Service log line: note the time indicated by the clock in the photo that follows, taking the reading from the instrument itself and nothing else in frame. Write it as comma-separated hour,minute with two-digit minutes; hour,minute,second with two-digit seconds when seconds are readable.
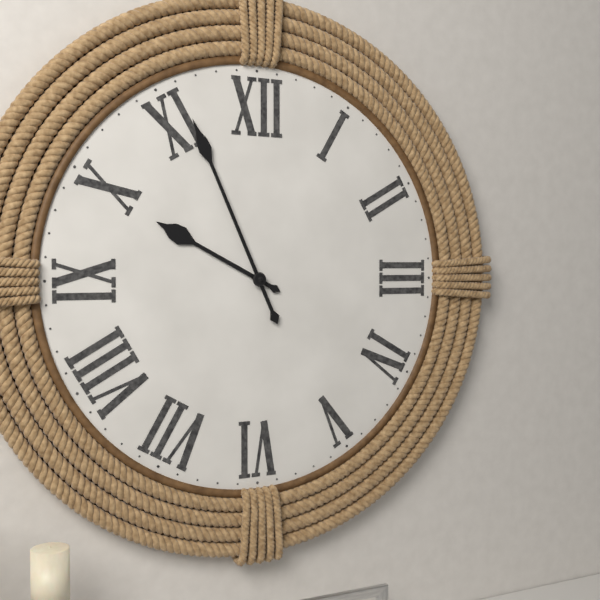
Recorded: 9,56
